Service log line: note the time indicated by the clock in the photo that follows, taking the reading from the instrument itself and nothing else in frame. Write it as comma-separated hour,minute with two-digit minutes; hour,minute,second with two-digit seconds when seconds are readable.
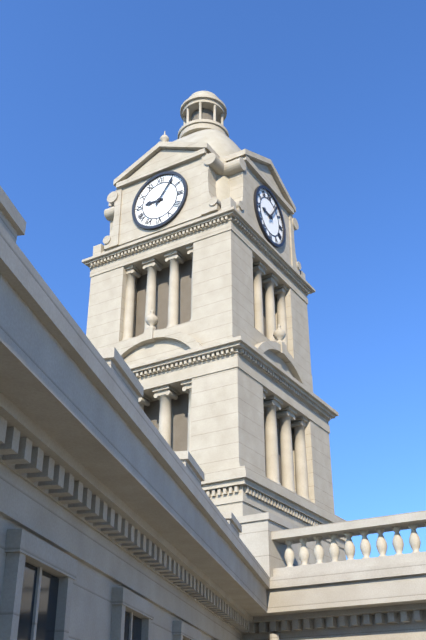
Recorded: 9,06
